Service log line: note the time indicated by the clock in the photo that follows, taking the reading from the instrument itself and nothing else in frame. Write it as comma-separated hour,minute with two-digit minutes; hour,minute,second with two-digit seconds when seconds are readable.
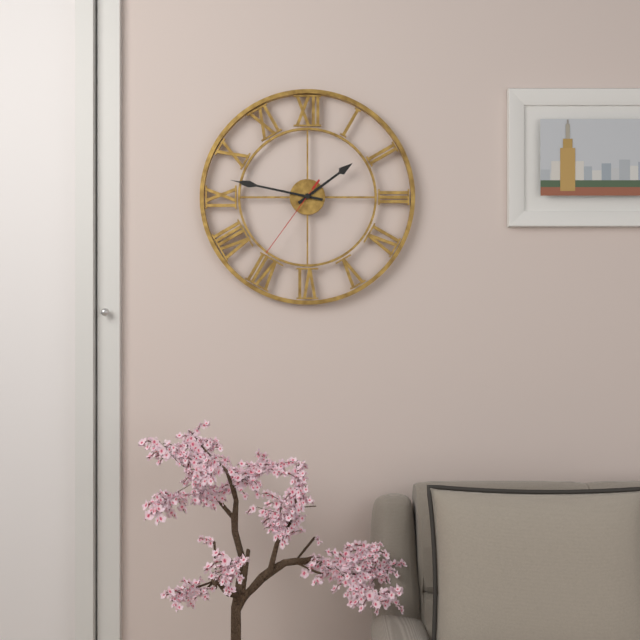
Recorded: 1,47,36
